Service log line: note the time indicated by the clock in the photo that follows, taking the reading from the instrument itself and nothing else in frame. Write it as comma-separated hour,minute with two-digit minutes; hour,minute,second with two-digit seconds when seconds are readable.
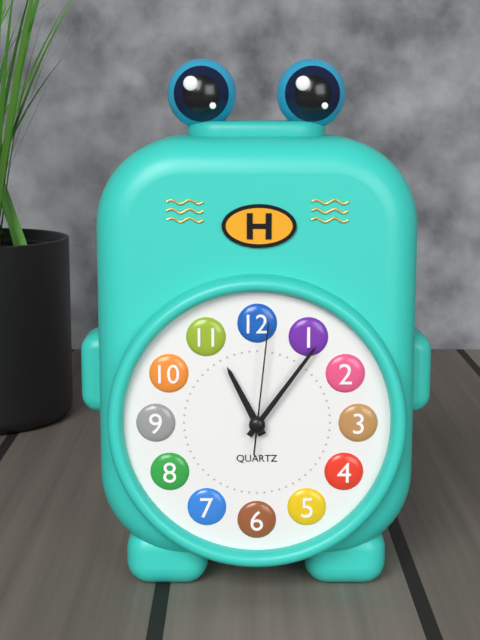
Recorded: 11,06,01
